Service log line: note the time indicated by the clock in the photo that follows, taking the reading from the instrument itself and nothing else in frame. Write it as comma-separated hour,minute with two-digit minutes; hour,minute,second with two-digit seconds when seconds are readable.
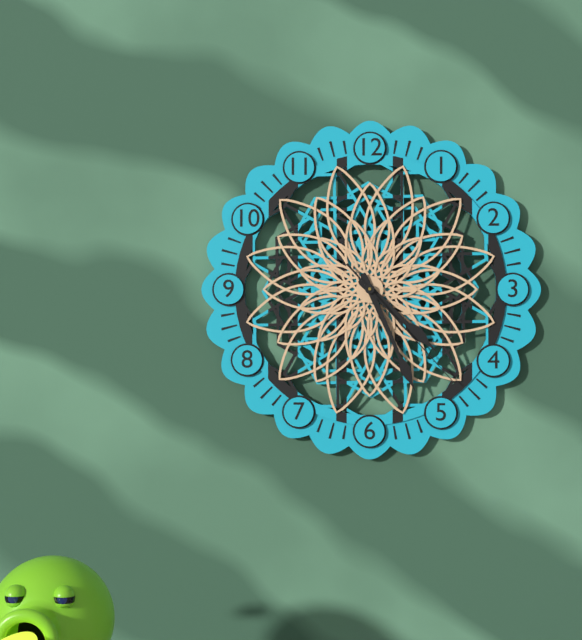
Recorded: 4,26,23
